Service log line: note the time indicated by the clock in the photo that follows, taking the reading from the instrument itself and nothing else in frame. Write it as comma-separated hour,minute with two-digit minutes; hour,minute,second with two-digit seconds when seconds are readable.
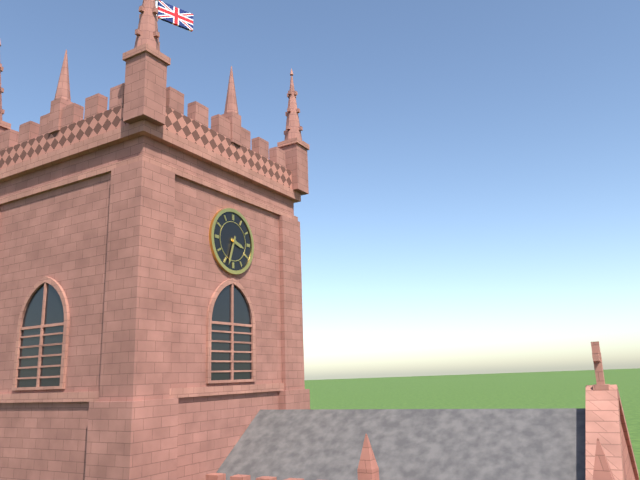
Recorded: 3,33
